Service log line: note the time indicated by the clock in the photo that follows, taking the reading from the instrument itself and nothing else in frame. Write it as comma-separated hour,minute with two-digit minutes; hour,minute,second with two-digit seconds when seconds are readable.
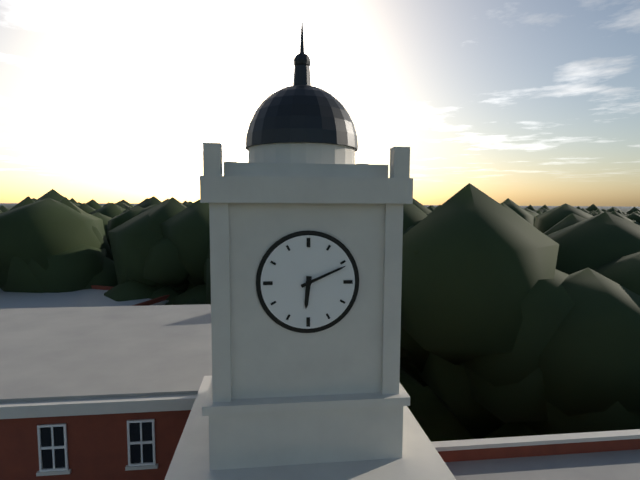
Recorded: 6,11
